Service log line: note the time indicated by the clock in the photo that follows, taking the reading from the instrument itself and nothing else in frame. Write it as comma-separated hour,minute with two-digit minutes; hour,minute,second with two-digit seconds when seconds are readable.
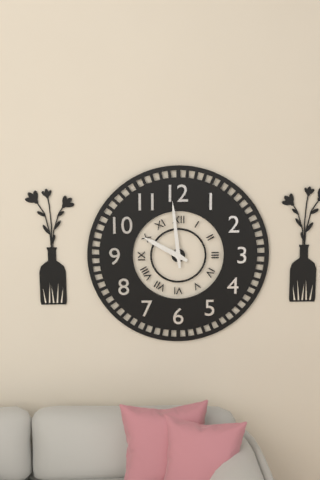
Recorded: 9,59
